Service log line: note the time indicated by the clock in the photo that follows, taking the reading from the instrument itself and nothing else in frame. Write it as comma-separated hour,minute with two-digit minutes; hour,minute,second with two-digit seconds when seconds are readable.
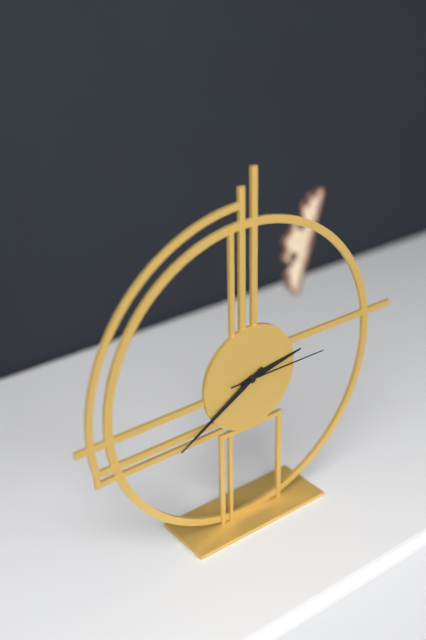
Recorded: 2,40,15
